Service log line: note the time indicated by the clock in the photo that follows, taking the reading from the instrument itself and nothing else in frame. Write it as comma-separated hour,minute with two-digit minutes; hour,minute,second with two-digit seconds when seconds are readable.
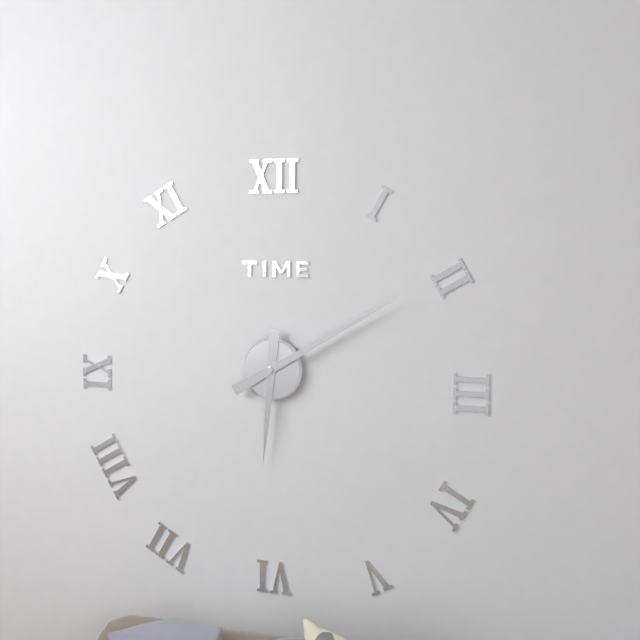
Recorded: 6,10
